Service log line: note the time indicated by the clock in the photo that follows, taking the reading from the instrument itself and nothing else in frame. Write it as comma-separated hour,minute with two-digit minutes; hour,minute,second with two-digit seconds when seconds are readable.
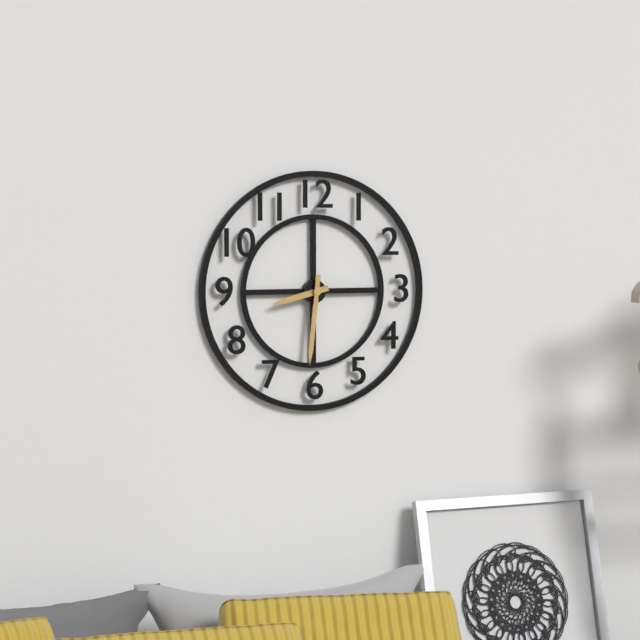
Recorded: 8,31
